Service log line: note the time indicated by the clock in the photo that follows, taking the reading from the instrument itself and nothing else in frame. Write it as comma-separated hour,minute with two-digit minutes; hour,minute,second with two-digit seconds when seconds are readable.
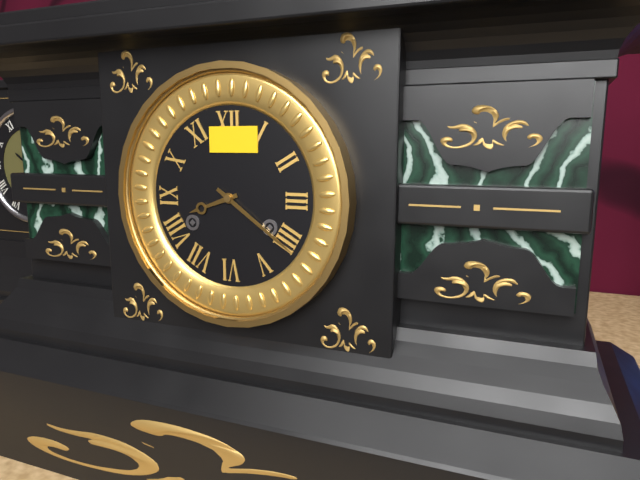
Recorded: 8,21
